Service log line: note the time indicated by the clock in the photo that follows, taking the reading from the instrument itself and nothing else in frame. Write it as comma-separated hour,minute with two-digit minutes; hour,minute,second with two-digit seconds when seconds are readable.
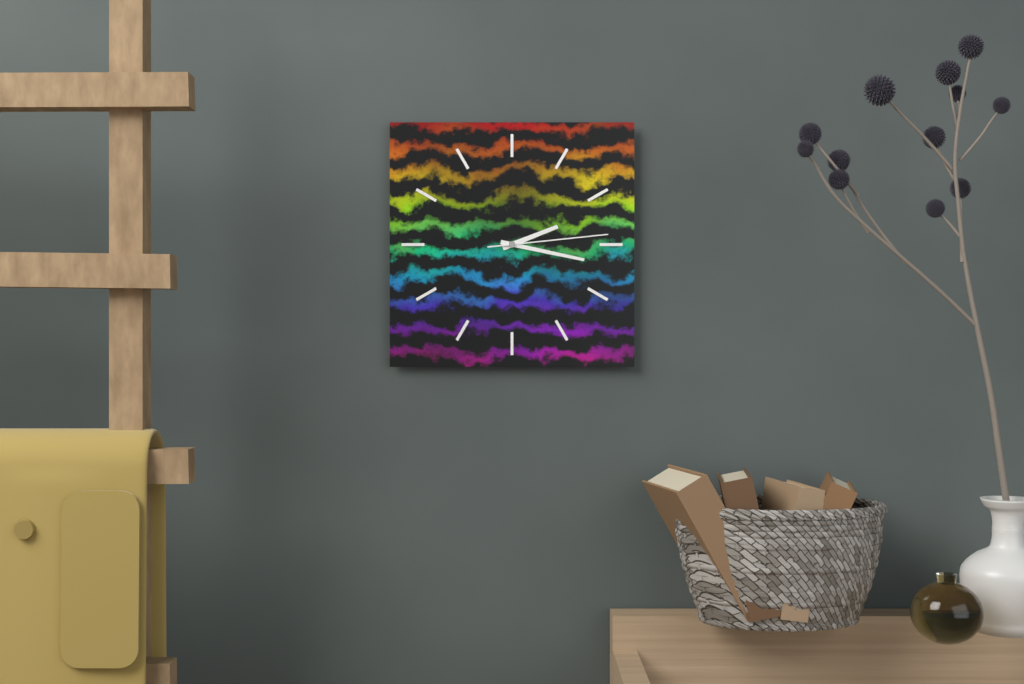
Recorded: 2,17,14
